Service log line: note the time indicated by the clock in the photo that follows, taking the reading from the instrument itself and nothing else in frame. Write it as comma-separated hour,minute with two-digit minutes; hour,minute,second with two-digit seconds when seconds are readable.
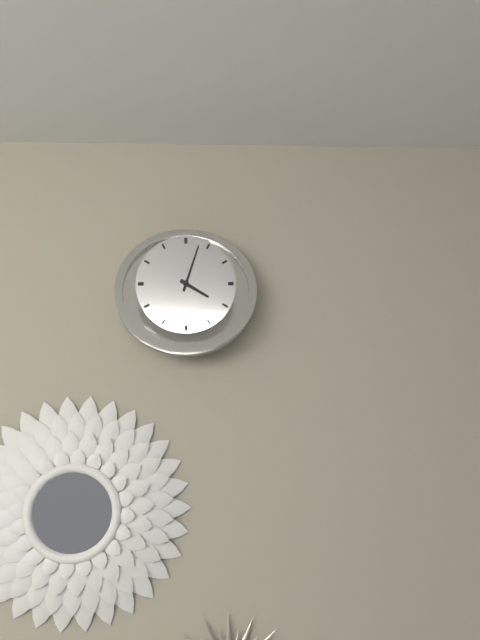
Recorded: 4,03
